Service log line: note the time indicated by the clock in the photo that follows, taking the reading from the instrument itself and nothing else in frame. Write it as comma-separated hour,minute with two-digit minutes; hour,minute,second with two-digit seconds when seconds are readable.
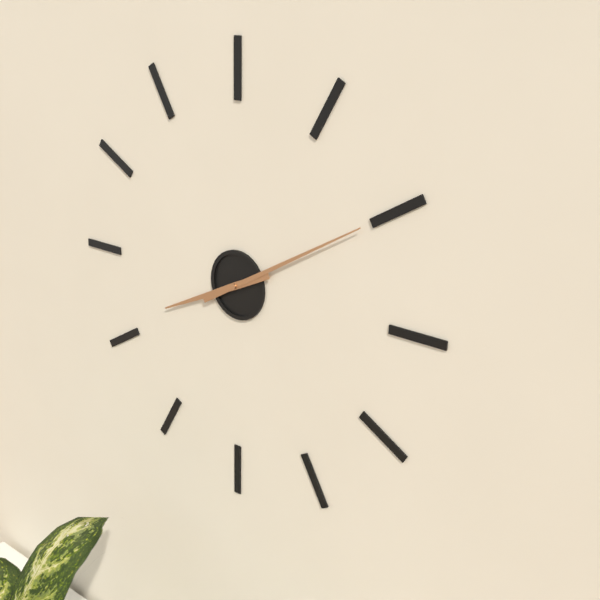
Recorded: 8,10
